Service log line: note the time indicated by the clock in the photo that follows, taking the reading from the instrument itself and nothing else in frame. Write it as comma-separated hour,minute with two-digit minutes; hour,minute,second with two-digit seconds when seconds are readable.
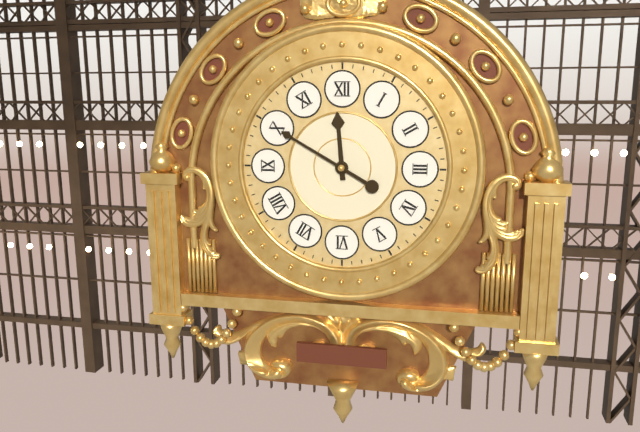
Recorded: 11,50
